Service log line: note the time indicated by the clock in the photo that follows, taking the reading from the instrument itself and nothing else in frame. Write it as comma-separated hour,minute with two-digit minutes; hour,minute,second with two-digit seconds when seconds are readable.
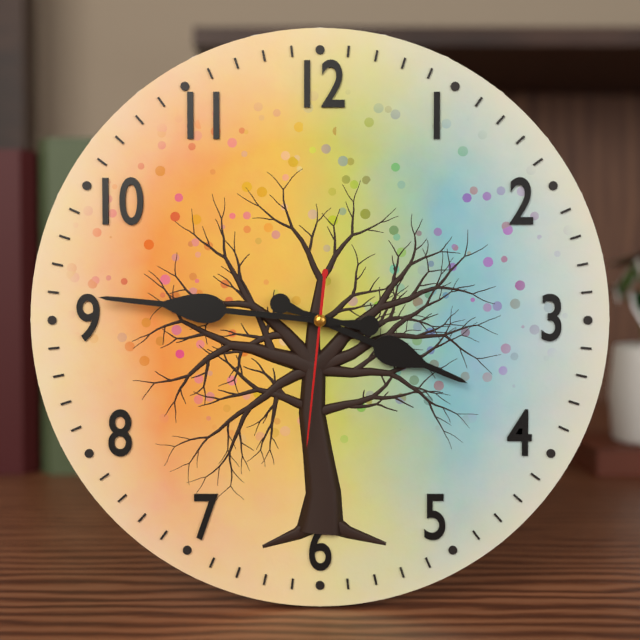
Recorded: 3,46,31
